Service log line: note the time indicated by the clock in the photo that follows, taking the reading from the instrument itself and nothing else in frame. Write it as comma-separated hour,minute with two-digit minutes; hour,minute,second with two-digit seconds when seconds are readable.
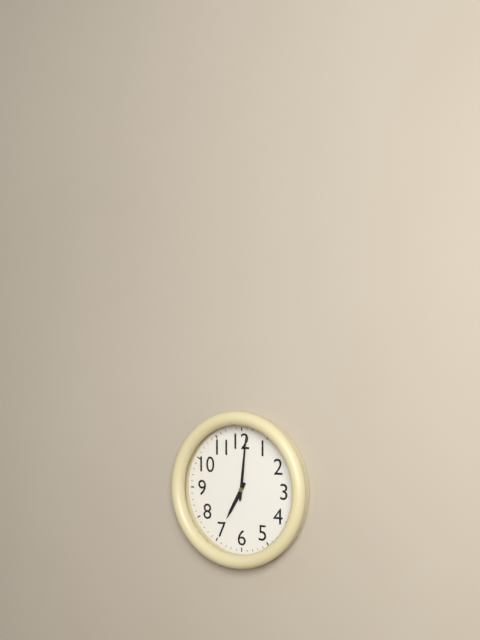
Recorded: 7,01
